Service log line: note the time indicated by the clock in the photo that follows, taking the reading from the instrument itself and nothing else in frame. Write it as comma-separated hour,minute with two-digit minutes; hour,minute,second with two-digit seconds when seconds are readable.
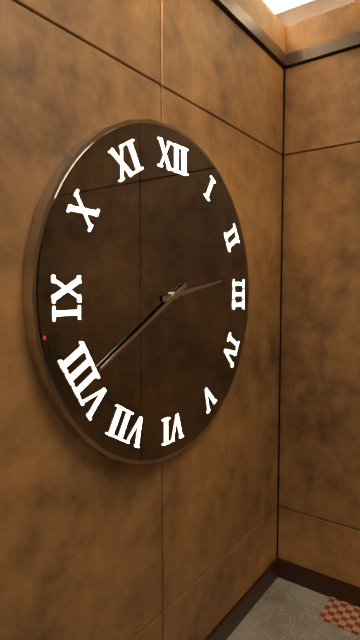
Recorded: 2,40
